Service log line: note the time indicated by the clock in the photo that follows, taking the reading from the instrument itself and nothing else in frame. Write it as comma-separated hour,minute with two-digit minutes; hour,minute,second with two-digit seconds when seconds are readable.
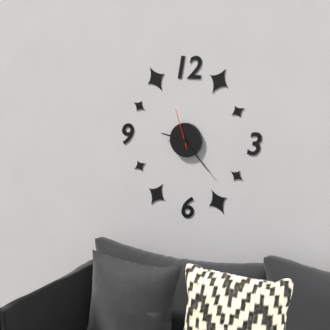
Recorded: 9,23
